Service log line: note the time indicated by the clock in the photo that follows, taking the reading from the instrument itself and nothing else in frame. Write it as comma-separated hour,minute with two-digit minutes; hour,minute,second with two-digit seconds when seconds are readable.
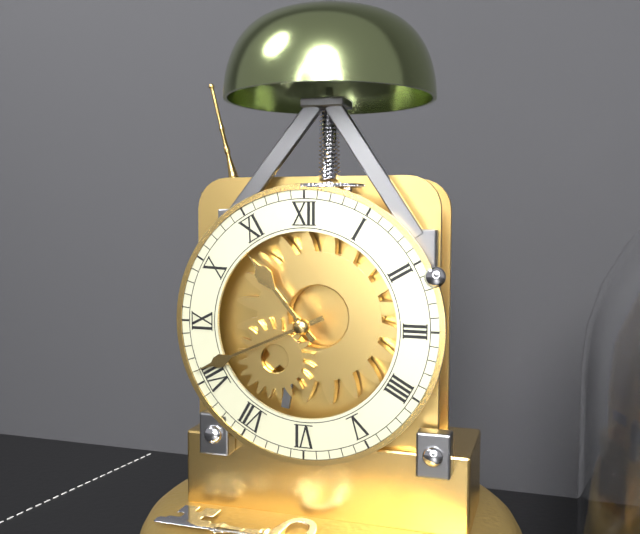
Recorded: 10,41
